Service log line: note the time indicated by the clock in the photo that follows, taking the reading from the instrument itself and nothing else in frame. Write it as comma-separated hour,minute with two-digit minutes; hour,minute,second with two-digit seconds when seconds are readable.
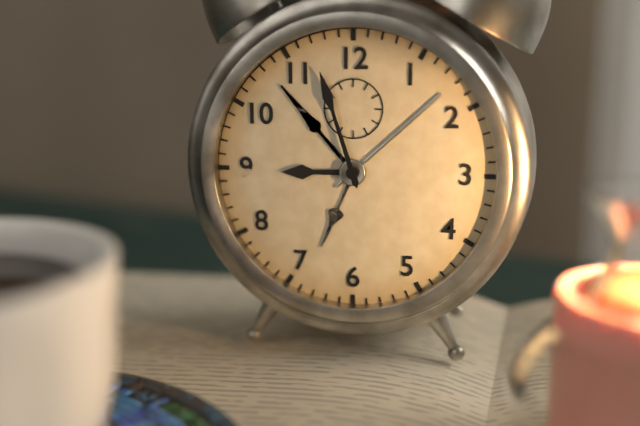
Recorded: 8,57
